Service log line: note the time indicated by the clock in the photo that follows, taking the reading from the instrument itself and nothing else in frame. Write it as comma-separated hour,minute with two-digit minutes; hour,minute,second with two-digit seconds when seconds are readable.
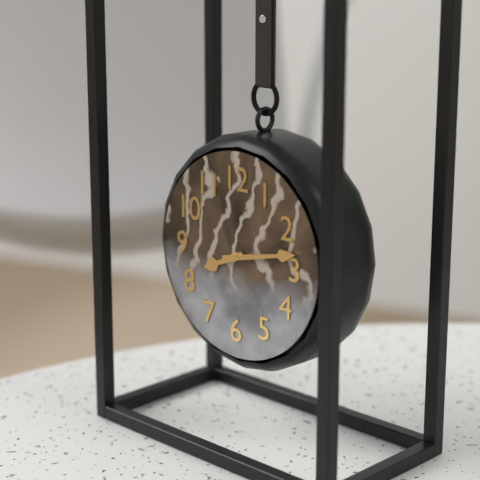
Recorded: 8,13
